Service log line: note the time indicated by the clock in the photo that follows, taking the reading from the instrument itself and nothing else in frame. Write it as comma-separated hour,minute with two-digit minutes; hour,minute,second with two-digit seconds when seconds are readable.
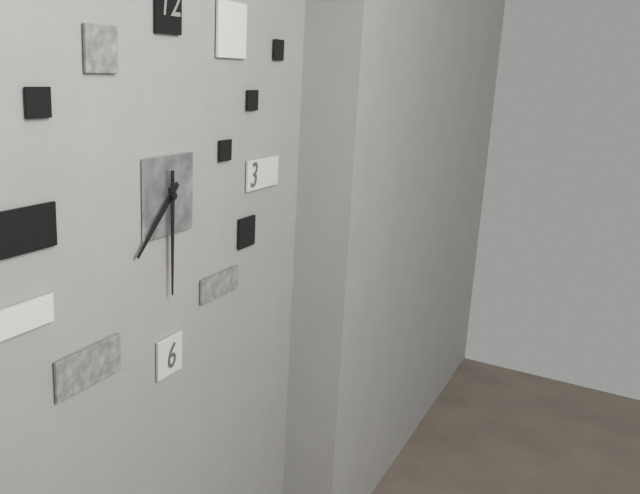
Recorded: 7,30
